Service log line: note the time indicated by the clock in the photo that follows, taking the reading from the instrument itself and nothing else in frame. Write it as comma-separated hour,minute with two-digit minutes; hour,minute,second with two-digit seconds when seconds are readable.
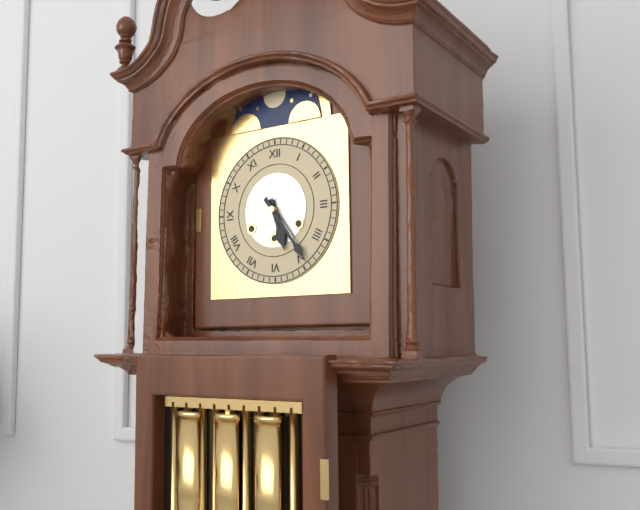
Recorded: 5,24
